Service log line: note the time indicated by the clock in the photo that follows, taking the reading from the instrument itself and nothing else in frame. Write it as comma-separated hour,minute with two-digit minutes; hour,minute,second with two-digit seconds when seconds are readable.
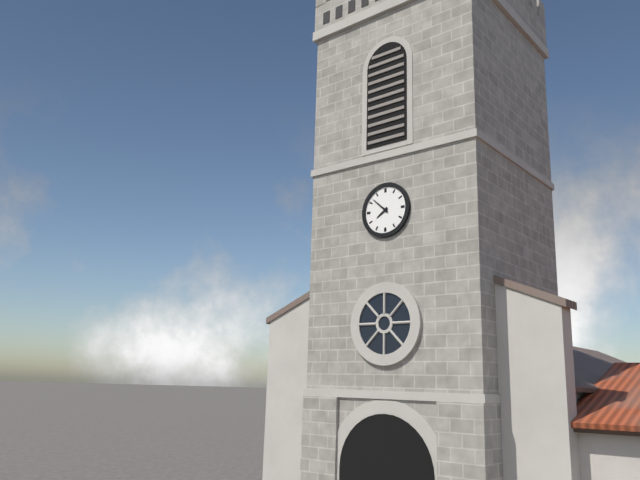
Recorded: 7,52
